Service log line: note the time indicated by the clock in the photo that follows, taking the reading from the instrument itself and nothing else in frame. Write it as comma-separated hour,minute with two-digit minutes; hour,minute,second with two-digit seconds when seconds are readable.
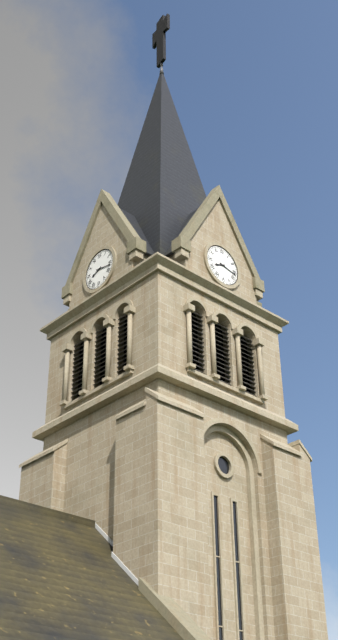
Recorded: 8,17
